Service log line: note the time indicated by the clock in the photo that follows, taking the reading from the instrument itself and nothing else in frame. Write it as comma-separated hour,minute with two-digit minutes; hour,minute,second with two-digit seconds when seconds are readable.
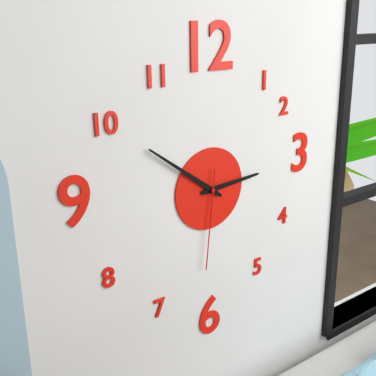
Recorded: 2,51,31
